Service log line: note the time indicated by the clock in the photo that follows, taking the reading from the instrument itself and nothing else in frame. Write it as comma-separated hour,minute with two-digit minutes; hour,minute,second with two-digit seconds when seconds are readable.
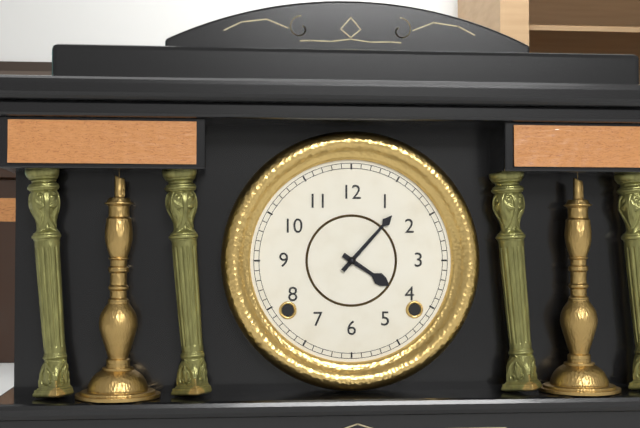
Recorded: 4,07
